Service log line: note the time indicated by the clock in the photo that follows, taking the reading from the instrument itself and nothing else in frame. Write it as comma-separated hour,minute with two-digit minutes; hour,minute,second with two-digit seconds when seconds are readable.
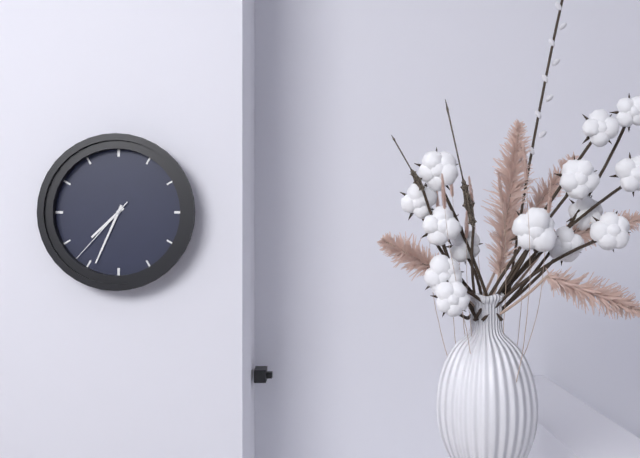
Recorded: 7,34,37
